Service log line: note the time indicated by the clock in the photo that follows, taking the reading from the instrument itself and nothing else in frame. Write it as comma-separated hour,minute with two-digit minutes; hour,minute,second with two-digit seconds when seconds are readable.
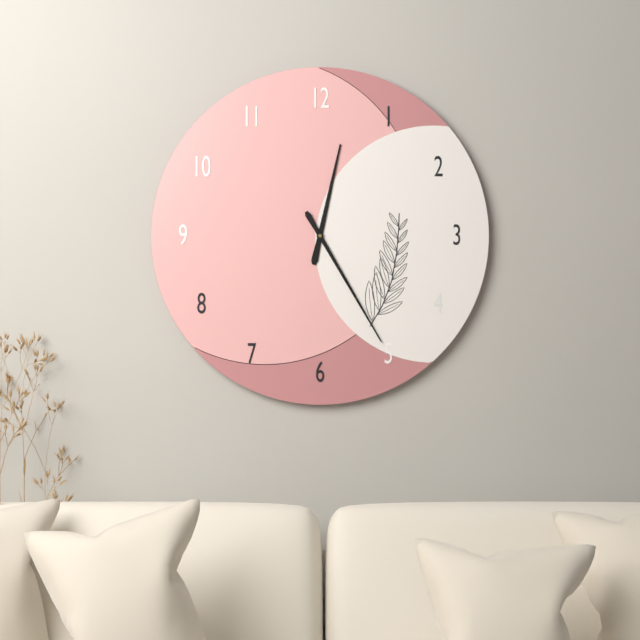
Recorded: 12,25
